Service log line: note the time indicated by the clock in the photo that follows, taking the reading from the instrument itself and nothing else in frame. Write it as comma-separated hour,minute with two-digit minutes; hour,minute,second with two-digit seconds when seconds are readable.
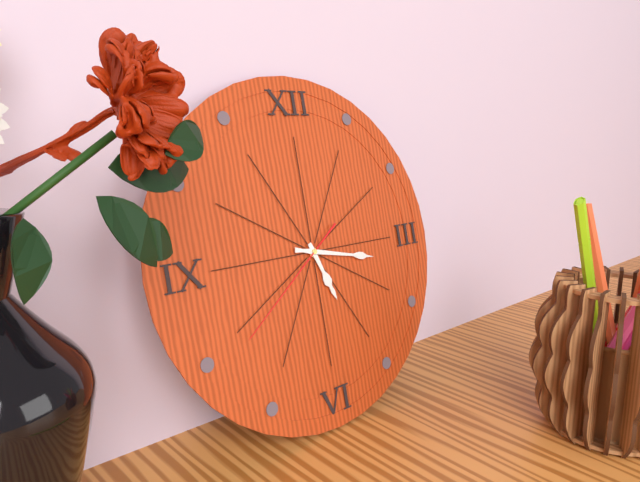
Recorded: 5,17,39
